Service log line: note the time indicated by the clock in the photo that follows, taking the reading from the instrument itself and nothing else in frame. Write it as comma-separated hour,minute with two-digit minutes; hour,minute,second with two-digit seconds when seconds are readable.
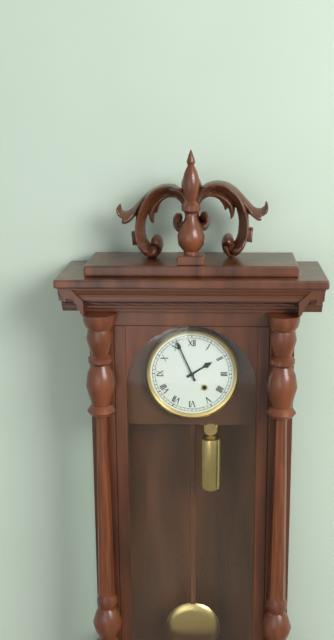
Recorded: 1,56
